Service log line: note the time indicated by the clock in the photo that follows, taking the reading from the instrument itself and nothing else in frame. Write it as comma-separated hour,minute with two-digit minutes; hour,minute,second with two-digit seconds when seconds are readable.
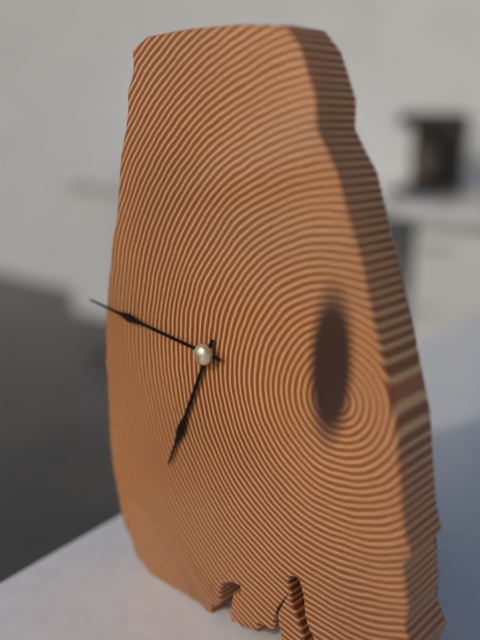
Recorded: 6,46
